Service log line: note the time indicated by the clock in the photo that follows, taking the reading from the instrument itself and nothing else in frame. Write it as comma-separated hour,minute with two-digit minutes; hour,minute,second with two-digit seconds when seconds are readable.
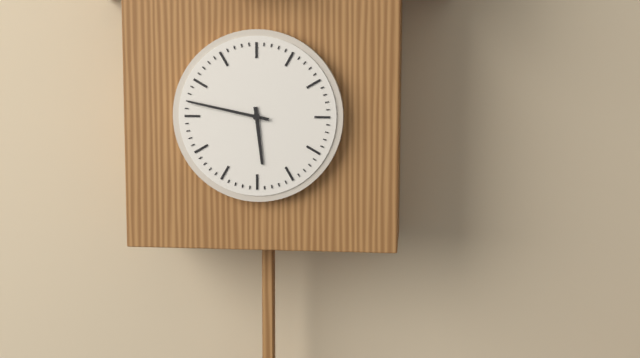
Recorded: 5,47
